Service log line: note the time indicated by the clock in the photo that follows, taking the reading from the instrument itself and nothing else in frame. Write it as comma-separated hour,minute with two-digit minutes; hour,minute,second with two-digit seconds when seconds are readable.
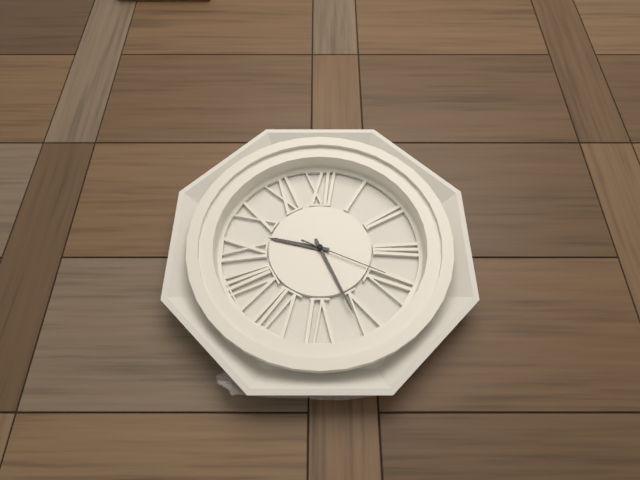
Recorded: 9,26,19
